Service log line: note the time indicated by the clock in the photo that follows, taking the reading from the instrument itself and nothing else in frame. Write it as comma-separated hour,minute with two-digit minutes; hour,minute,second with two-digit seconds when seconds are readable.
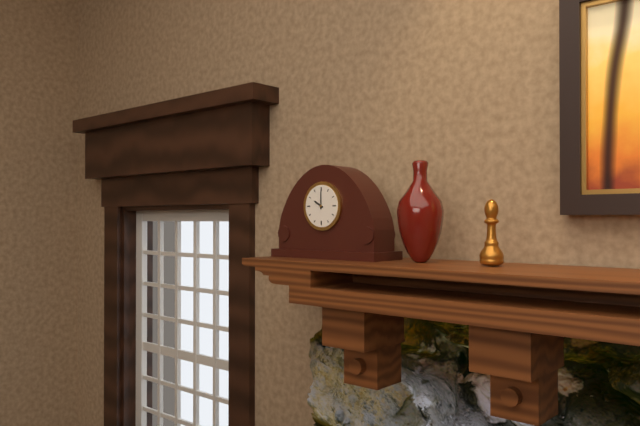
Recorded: 10,00
